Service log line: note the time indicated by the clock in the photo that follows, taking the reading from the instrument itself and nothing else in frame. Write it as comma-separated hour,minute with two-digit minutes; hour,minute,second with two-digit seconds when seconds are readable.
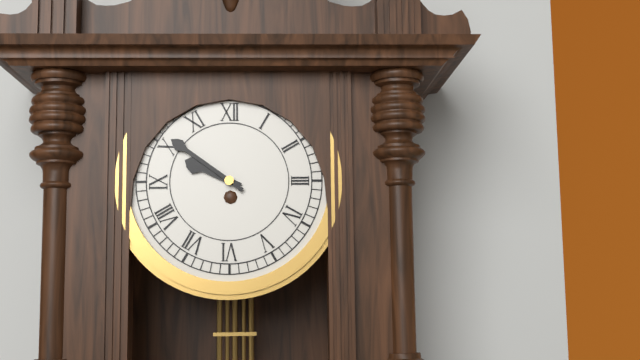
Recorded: 9,51
